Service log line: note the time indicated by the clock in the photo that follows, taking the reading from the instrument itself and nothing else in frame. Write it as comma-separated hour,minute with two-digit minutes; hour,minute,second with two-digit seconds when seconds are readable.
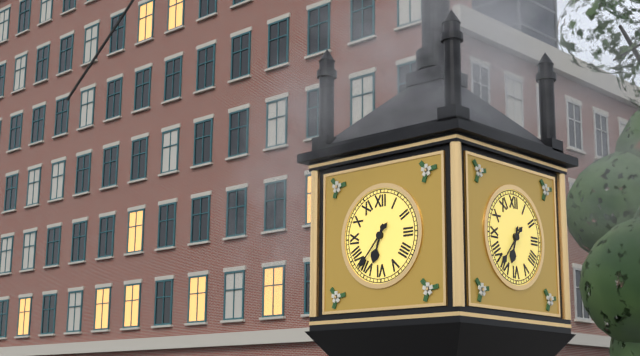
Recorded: 6,37
